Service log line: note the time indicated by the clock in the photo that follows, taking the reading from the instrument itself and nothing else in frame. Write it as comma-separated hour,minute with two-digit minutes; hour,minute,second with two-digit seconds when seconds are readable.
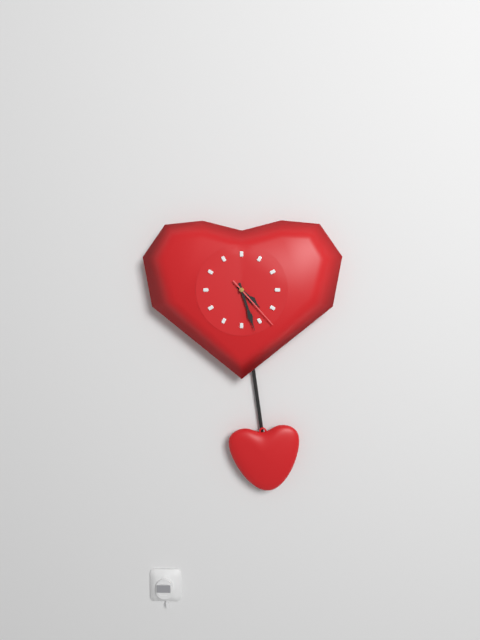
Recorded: 4,27,23
